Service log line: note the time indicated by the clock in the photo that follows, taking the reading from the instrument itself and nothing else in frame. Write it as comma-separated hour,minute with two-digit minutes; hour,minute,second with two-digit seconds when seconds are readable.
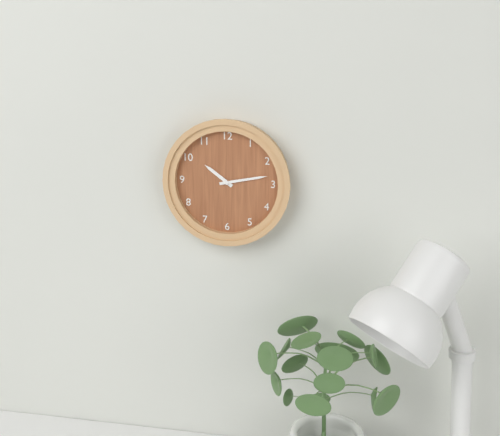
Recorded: 10,13
